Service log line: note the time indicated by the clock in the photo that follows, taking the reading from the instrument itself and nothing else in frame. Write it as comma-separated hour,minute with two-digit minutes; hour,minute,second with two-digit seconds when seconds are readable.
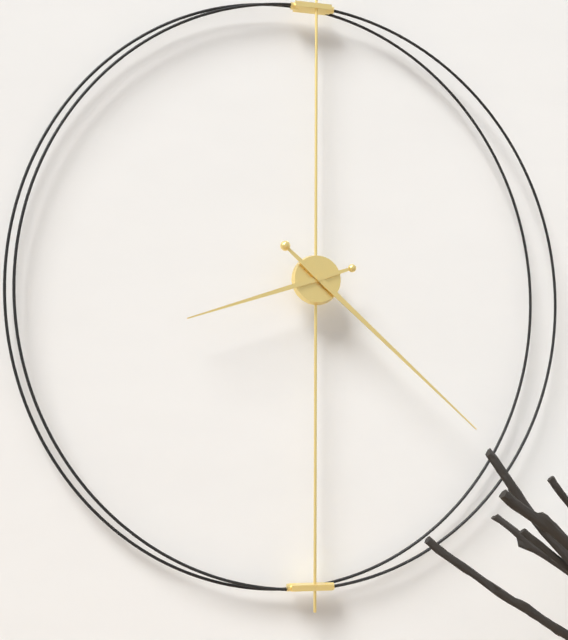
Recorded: 8,22
